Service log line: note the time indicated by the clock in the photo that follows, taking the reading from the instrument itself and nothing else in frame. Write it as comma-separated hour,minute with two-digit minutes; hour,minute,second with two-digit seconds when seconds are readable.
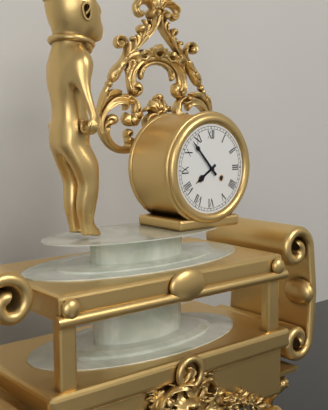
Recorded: 7,53
